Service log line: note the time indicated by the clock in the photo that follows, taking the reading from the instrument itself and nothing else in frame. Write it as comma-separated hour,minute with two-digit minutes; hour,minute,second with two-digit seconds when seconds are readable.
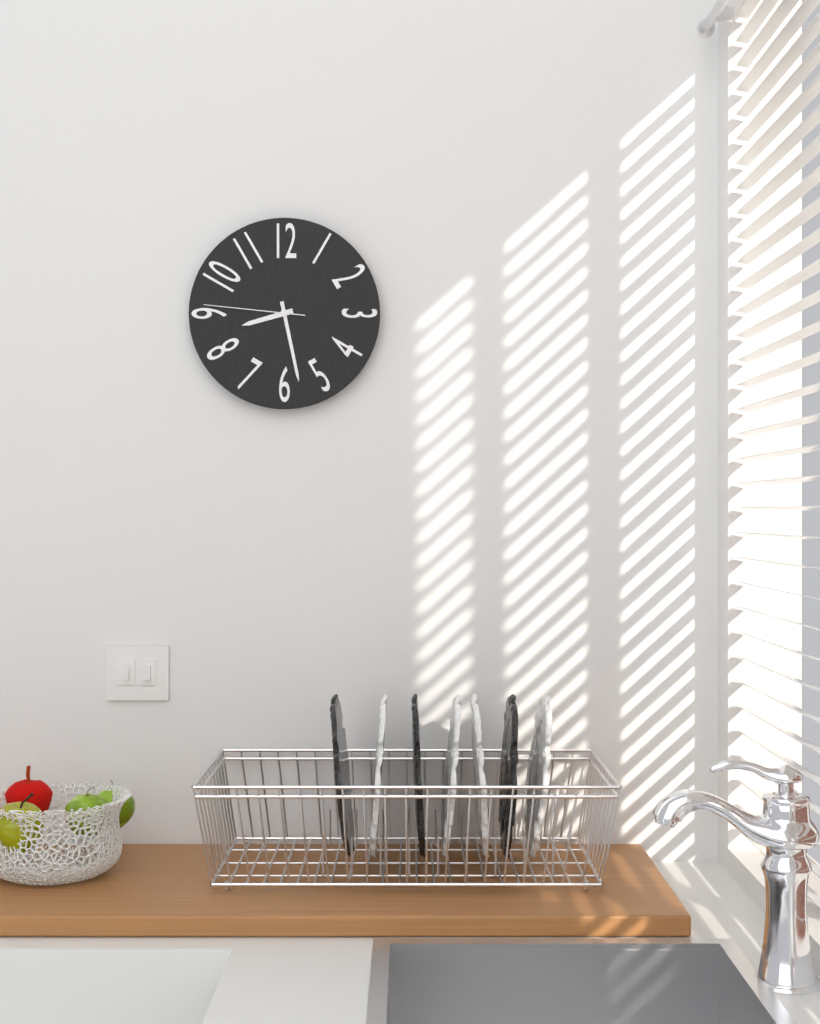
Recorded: 8,28,46
